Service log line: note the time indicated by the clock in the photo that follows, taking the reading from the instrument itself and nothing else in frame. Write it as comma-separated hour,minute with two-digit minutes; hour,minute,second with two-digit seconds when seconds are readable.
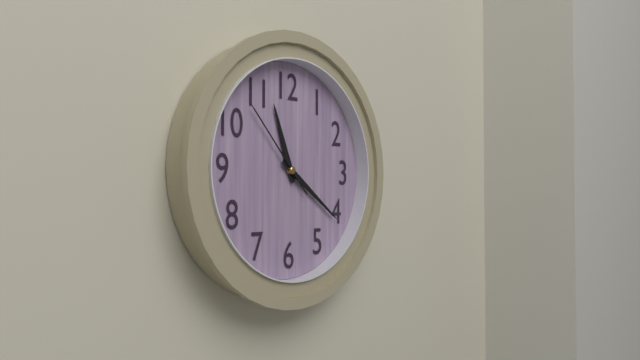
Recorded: 11,21,53
